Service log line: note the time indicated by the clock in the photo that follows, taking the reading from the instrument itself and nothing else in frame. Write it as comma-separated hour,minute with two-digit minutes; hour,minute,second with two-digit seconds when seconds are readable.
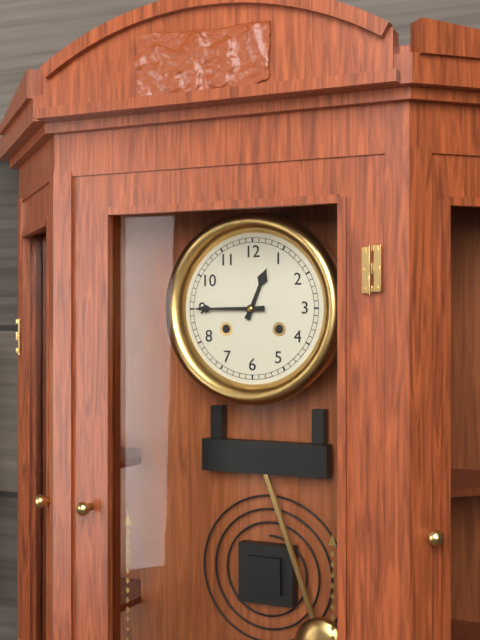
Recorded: 12,45
